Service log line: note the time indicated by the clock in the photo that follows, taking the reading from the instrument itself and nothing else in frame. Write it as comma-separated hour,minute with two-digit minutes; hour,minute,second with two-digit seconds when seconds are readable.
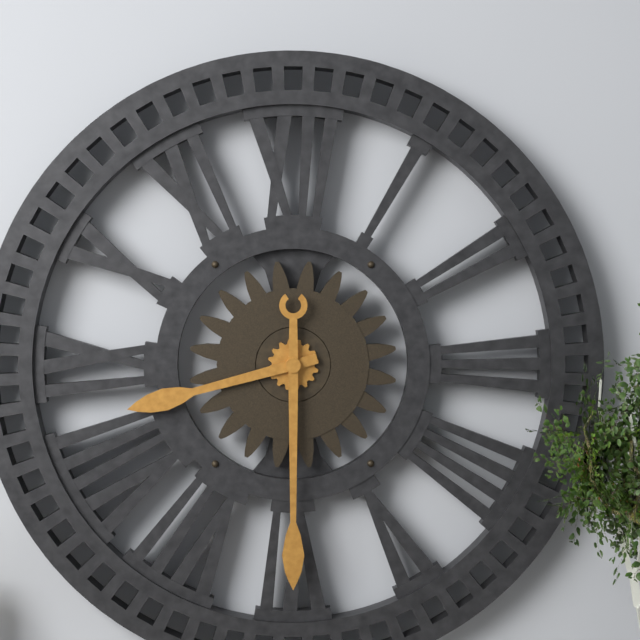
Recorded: 8,30
